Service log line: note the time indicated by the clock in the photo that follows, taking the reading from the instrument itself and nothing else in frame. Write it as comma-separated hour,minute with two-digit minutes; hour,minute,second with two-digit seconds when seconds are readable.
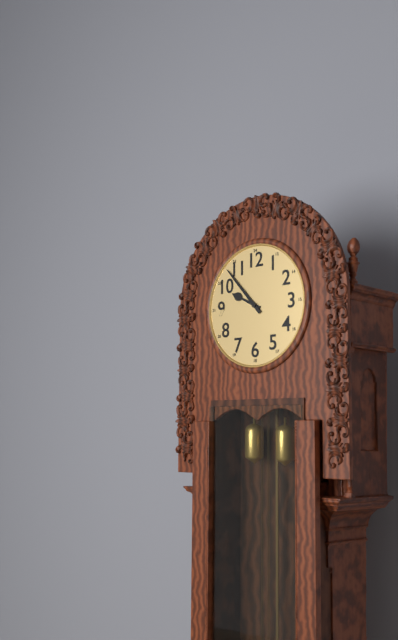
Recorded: 9,53
